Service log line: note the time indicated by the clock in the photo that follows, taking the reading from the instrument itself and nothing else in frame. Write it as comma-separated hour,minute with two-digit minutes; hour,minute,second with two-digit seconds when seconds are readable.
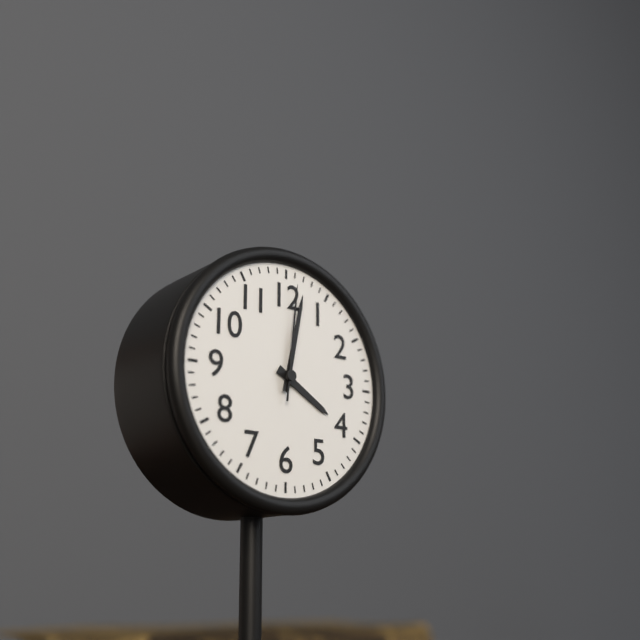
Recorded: 4,02,01
